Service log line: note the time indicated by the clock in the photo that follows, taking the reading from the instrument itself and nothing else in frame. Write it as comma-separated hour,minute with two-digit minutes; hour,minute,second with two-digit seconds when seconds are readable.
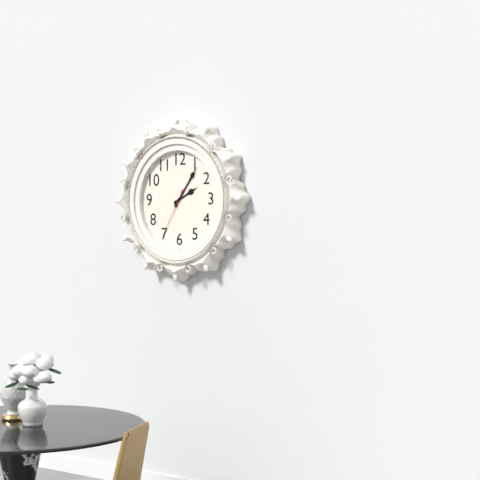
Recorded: 2,06,35
